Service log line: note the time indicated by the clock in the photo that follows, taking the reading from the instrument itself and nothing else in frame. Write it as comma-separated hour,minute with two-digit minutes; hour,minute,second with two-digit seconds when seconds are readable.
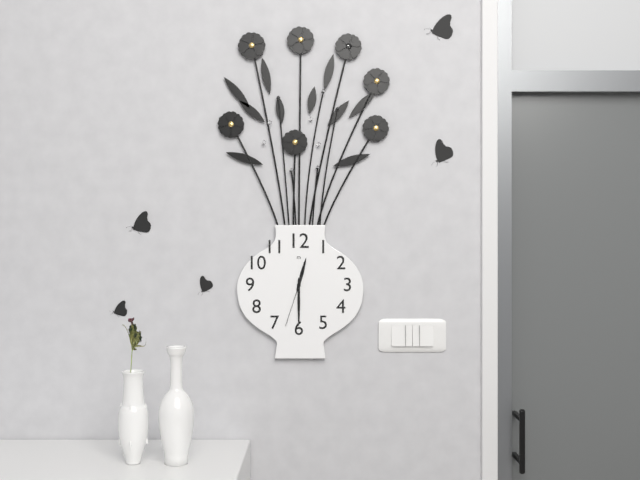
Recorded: 12,30,33
